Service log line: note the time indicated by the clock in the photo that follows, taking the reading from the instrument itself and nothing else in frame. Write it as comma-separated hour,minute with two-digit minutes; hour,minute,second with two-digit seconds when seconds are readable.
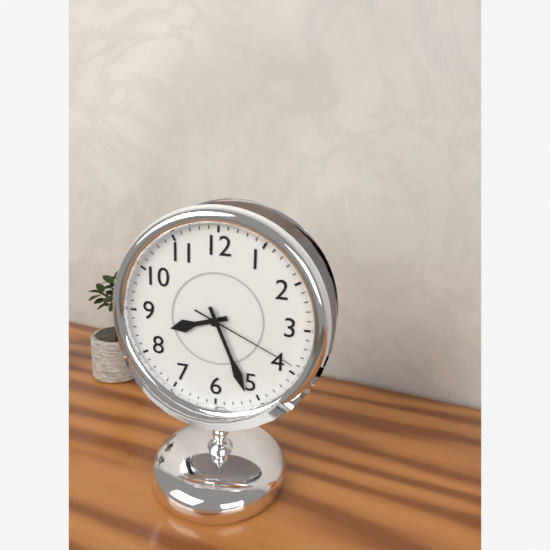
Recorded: 8,26,19
